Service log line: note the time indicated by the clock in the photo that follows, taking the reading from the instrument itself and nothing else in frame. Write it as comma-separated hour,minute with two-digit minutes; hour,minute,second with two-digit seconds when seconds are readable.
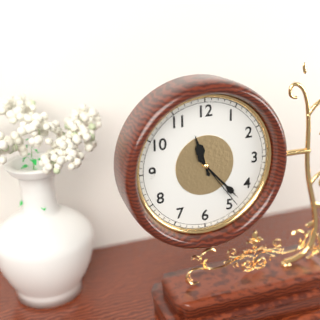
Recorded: 11,23,24
